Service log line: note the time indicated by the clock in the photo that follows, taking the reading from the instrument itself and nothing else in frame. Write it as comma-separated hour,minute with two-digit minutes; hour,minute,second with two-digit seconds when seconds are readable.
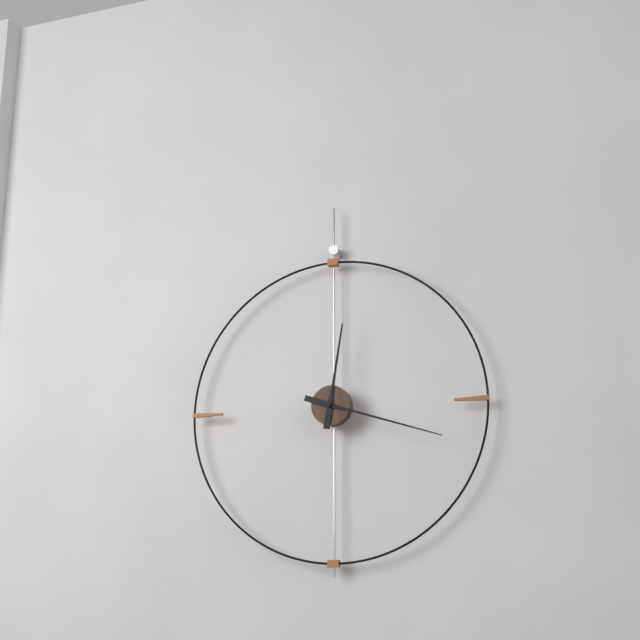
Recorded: 12,18
